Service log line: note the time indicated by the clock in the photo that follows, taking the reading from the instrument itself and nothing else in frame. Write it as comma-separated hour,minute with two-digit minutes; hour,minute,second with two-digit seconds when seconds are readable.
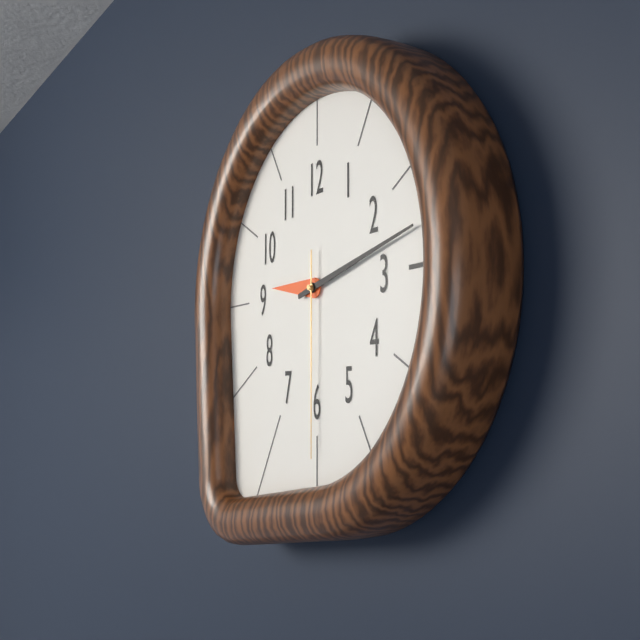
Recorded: 9,13,30
